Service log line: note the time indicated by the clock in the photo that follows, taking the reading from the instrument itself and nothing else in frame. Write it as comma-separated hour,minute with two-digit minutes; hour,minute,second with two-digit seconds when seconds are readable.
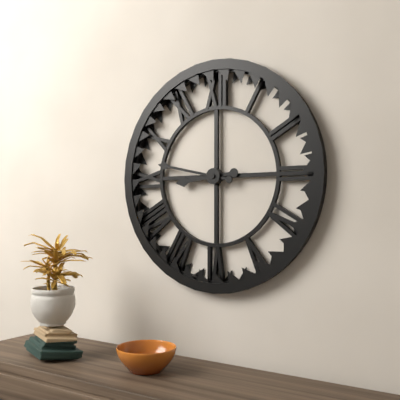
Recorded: 8,47
